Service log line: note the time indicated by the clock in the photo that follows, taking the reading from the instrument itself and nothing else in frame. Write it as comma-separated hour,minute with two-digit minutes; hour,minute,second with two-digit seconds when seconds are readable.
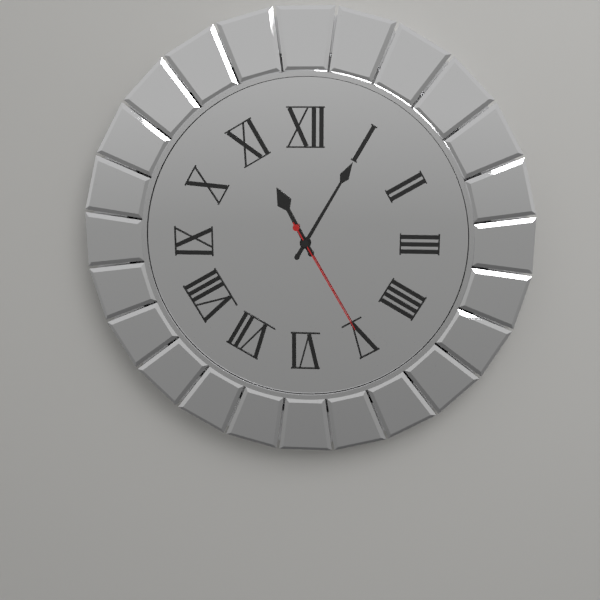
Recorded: 11,05,25
